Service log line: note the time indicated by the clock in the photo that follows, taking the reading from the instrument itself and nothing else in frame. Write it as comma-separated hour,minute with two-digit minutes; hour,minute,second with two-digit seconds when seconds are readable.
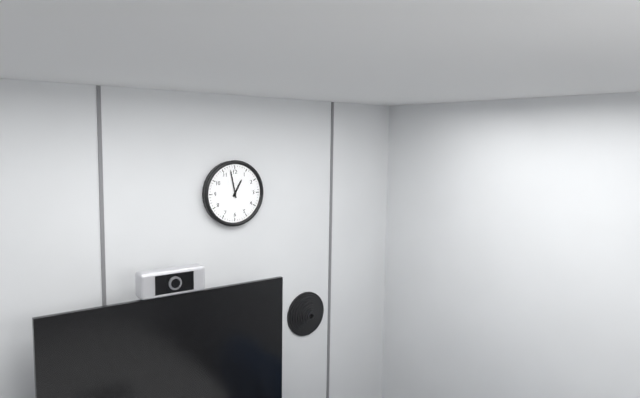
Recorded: 12,58
